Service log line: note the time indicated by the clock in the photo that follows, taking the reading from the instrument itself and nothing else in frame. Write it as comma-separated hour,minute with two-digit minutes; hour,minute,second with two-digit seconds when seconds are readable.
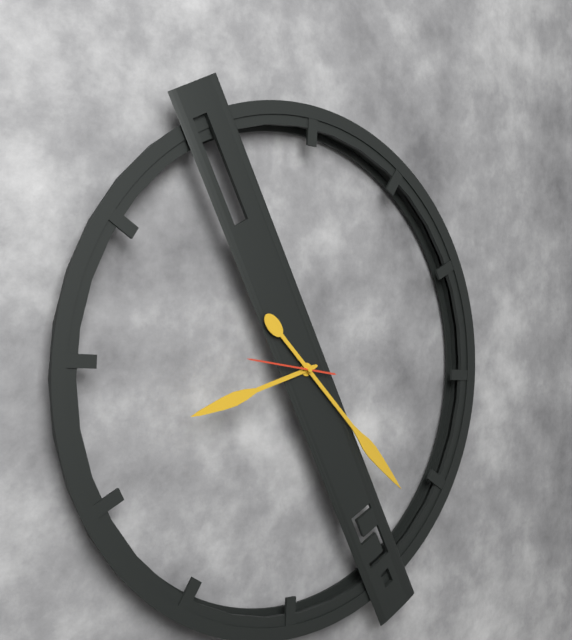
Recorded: 8,22,46
